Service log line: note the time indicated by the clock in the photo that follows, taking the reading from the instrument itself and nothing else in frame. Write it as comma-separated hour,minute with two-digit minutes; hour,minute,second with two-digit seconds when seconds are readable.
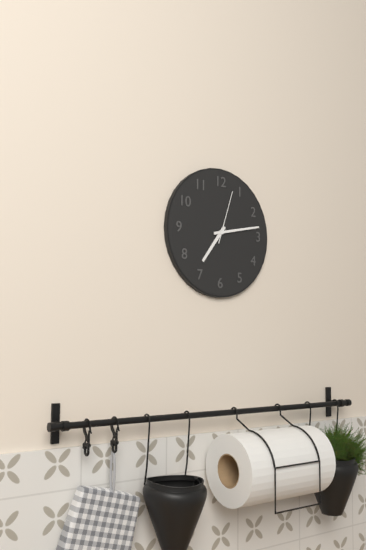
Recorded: 7,13,03
